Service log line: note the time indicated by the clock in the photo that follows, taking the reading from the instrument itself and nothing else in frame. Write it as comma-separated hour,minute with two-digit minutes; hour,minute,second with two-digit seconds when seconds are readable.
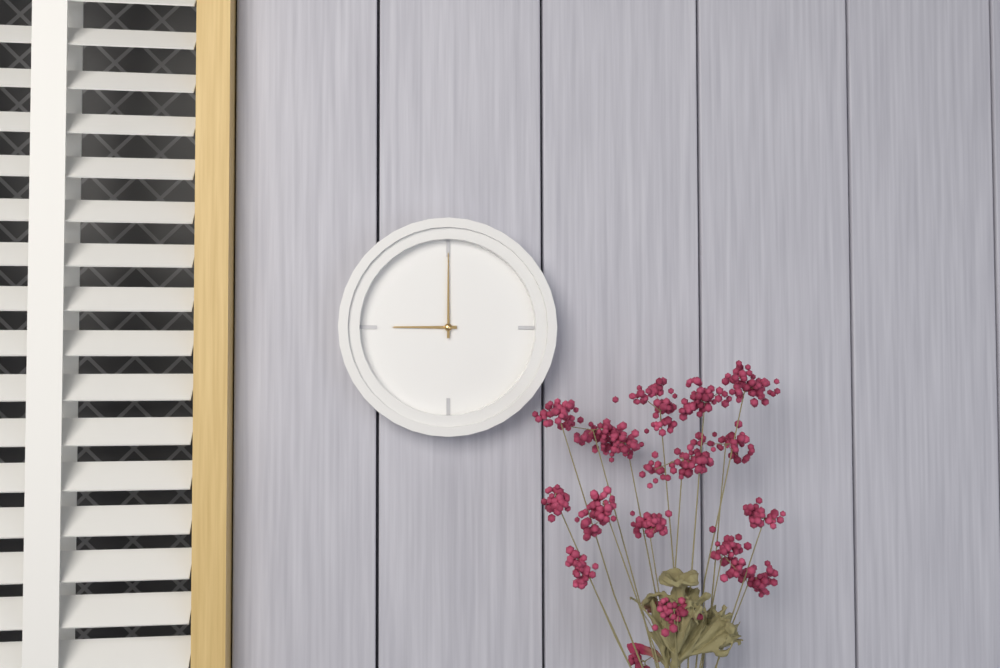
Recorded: 9,00
